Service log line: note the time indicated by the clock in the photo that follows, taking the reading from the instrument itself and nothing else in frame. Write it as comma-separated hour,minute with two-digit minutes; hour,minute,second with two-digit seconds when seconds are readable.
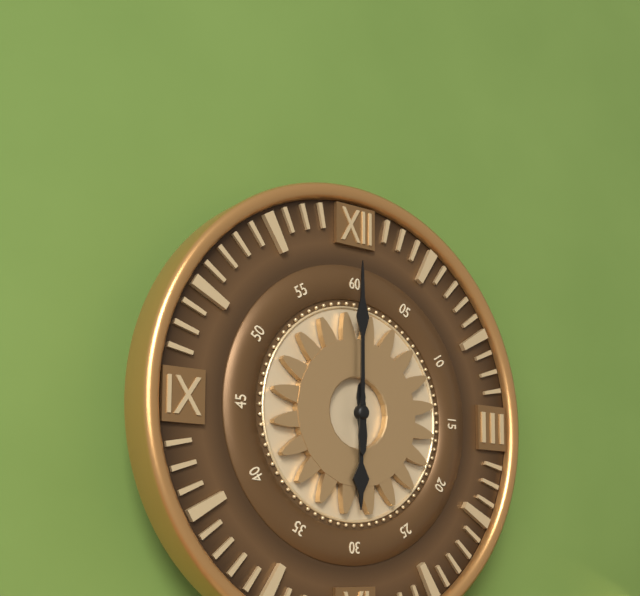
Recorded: 6,00
